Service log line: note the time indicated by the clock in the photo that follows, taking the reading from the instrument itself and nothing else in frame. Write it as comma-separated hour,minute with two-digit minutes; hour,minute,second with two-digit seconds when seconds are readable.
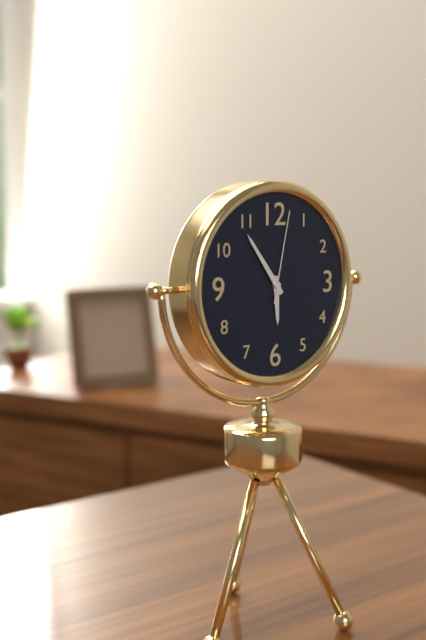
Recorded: 5,54,02
